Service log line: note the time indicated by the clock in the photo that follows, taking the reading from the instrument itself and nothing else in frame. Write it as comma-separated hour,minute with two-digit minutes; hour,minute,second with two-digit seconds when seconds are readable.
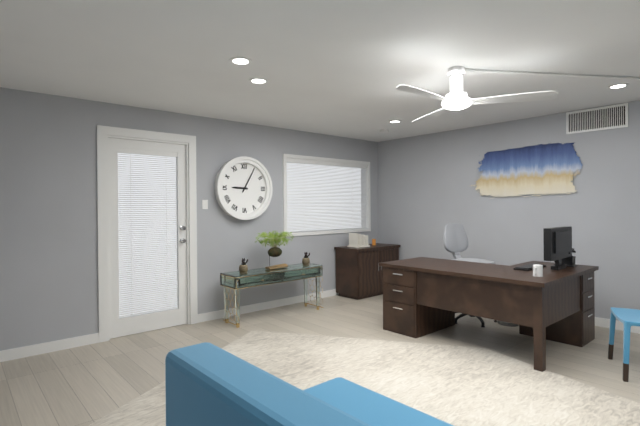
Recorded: 9,05
